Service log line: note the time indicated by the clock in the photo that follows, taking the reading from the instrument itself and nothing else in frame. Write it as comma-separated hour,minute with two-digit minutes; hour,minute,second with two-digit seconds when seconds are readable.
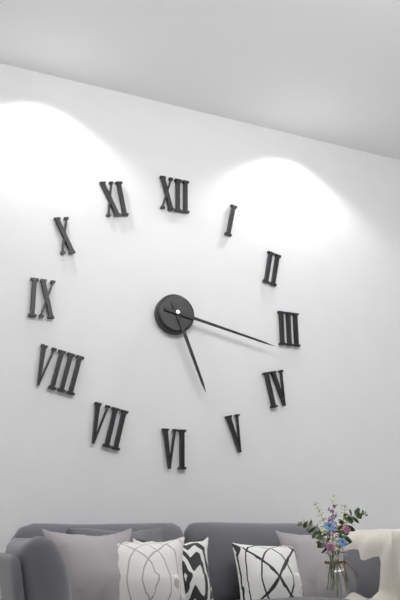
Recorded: 5,17
